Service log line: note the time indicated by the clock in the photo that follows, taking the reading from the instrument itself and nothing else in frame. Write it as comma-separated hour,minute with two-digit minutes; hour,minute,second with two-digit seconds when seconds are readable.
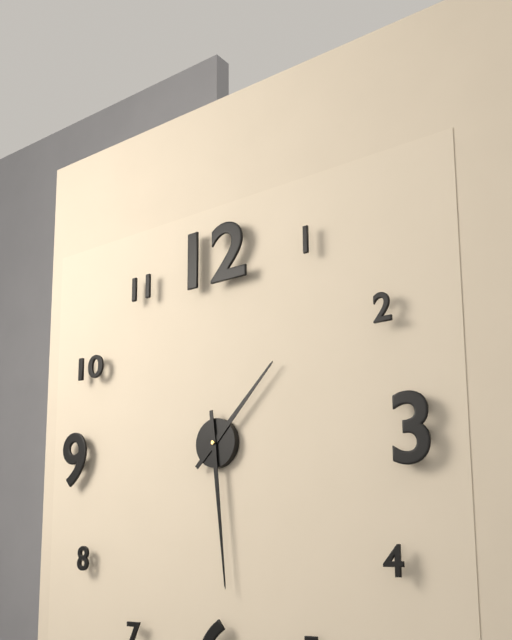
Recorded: 1,29
